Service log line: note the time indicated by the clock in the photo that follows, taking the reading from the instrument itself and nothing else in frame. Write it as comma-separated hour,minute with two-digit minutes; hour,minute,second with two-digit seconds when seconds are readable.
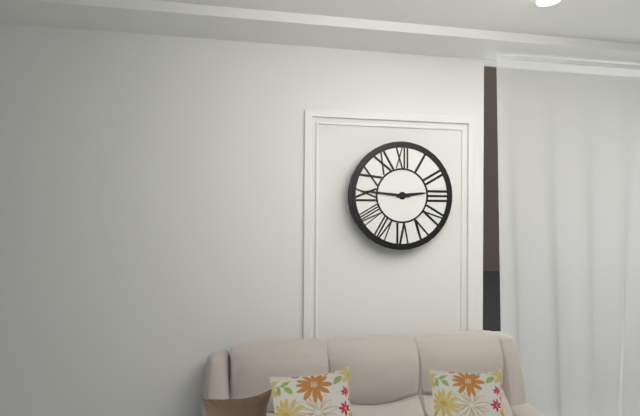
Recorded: 2,46
